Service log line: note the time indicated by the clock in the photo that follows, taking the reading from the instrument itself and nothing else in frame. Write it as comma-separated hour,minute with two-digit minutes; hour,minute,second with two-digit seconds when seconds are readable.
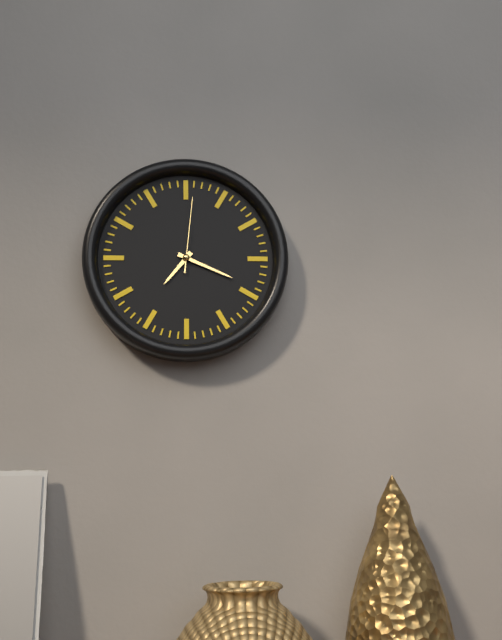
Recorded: 7,19,01
